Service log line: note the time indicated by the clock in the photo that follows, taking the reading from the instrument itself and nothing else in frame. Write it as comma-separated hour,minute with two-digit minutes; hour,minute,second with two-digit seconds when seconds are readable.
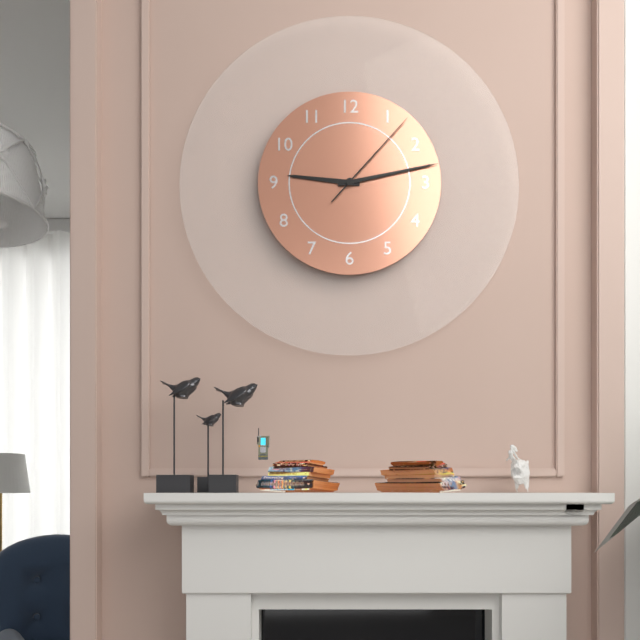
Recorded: 9,13,07
